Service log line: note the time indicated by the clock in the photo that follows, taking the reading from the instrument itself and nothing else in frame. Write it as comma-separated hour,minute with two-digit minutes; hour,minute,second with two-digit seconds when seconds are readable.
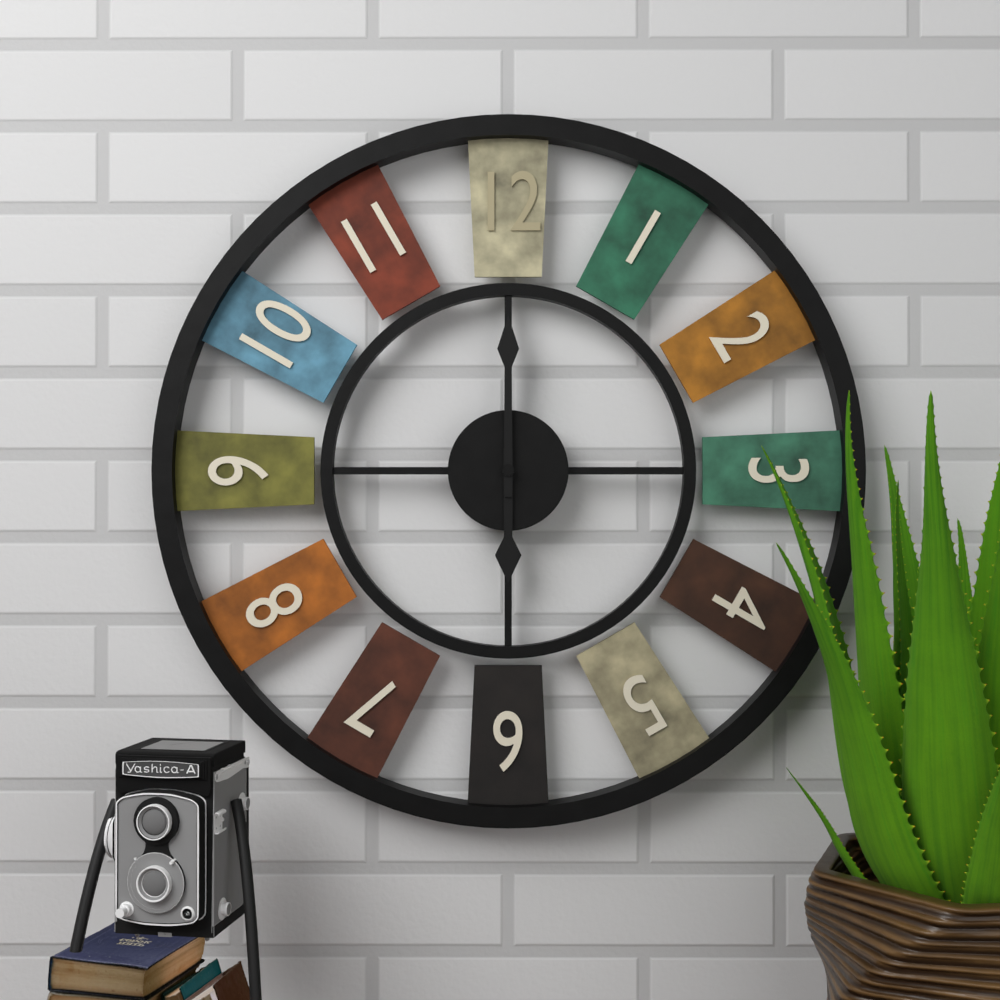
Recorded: 6,00
